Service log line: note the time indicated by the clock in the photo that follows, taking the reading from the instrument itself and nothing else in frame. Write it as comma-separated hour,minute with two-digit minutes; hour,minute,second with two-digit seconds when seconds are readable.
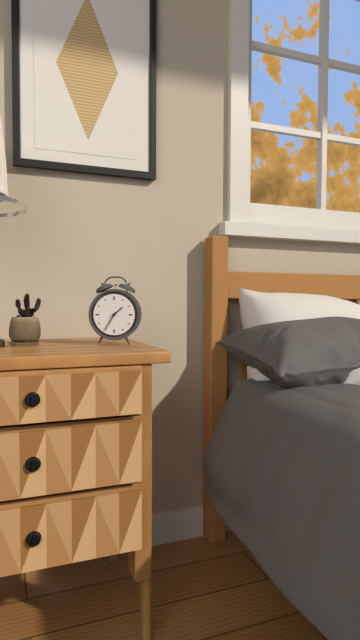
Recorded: 1,35
